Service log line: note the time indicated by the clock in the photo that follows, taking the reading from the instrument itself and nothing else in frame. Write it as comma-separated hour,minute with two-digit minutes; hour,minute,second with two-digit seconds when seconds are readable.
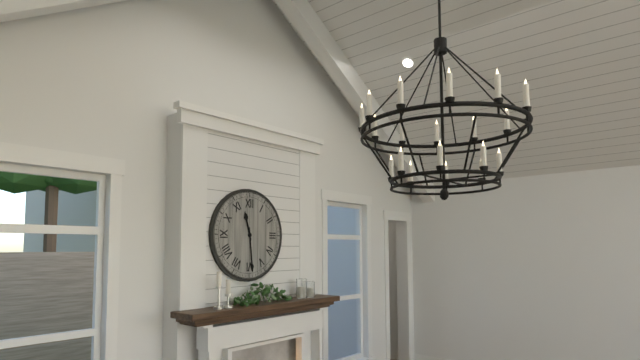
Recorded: 11,29
